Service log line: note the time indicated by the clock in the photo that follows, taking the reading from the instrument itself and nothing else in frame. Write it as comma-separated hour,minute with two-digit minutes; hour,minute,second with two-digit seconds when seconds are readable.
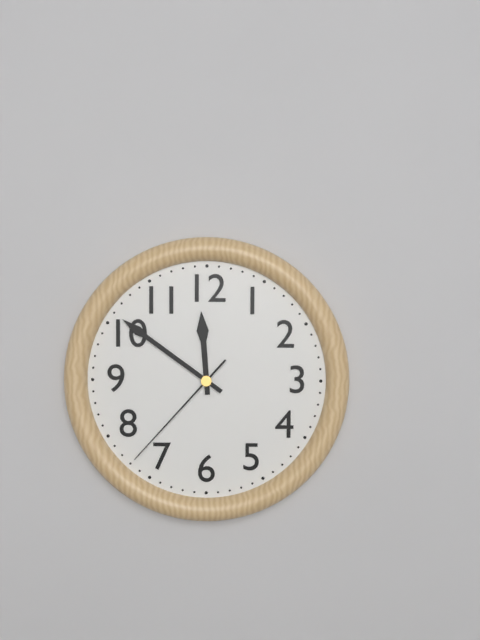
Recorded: 11,51,37
